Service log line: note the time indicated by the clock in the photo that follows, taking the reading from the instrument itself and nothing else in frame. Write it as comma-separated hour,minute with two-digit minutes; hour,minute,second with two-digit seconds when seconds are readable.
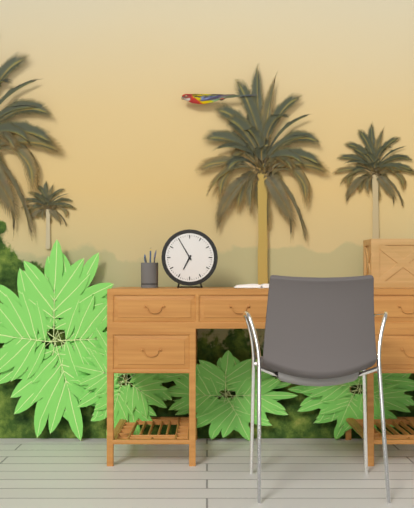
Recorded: 6,55
